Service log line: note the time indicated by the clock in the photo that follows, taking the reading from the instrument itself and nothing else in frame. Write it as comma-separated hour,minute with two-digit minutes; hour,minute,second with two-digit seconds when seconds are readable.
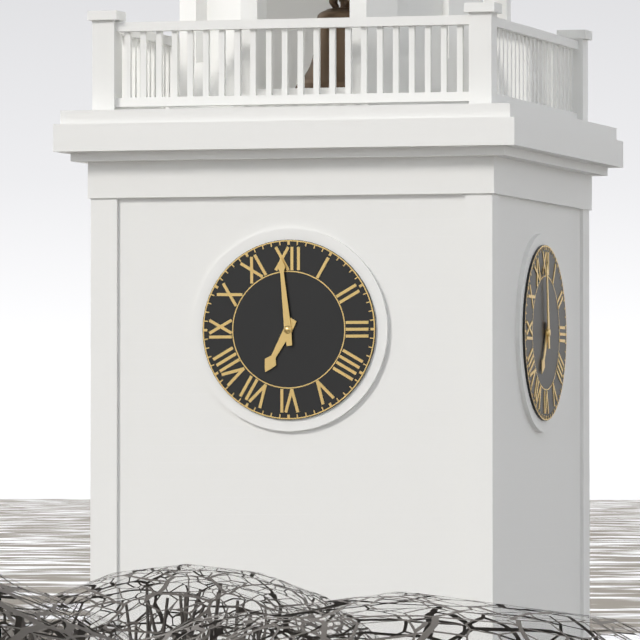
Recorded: 6,59
